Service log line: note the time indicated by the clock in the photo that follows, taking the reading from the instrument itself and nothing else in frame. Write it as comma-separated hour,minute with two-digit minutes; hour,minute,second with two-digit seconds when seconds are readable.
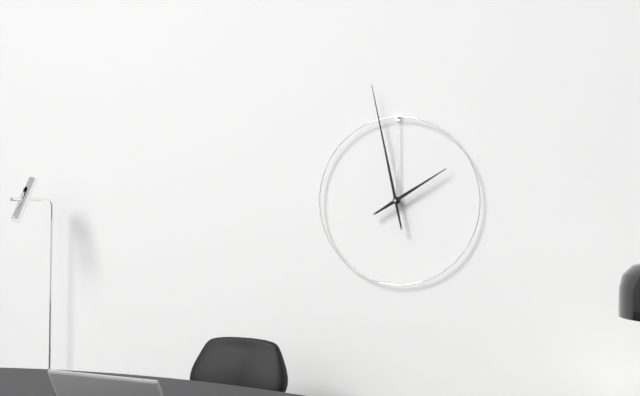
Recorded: 1,58
